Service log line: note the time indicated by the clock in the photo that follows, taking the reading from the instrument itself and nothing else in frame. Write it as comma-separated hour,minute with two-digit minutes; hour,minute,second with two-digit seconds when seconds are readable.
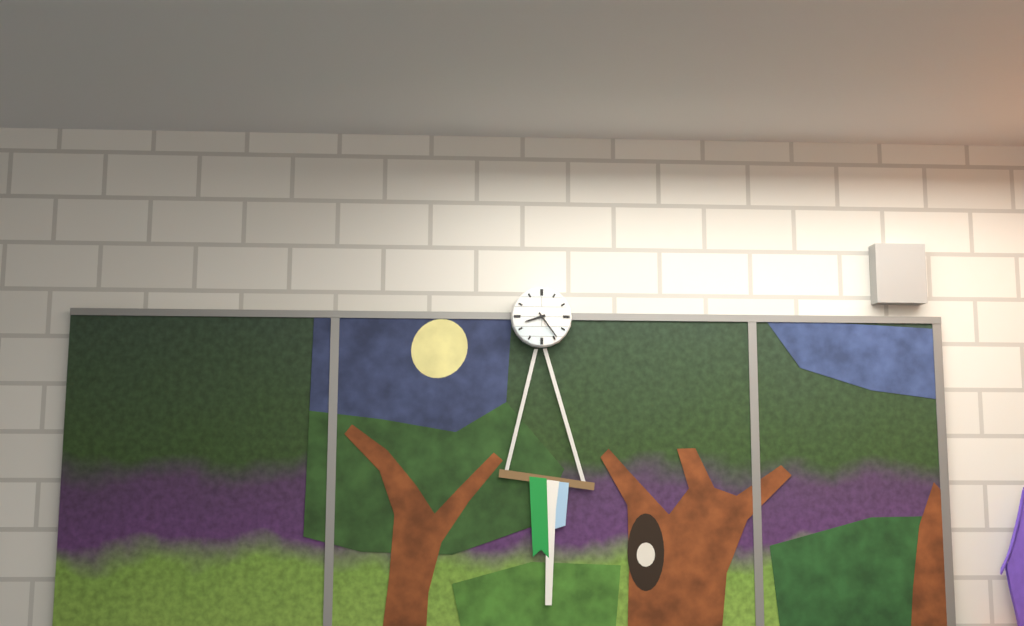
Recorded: 8,24
